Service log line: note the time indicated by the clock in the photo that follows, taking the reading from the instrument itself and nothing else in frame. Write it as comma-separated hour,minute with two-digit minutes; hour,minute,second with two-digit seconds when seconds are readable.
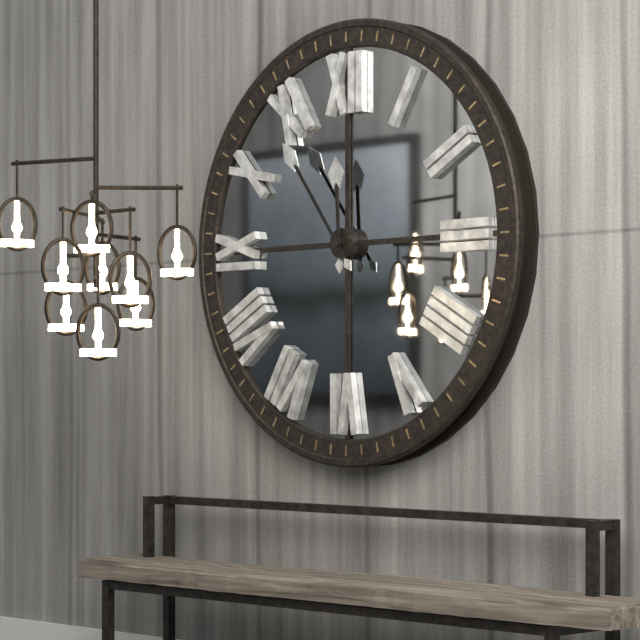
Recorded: 11,54
